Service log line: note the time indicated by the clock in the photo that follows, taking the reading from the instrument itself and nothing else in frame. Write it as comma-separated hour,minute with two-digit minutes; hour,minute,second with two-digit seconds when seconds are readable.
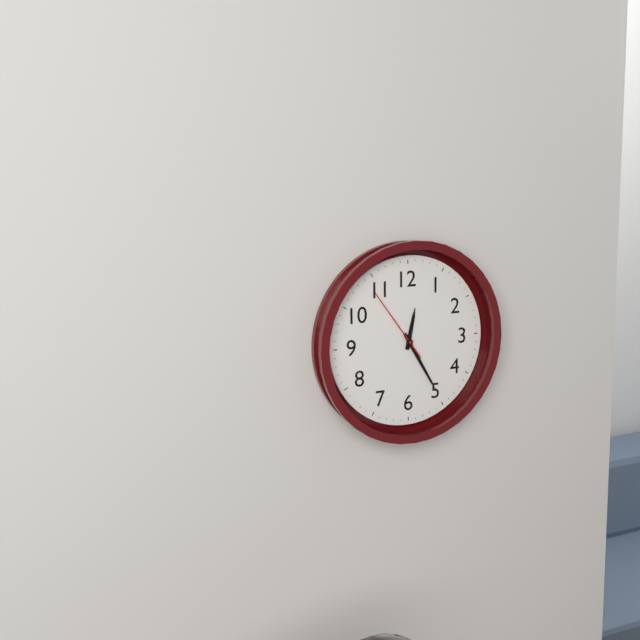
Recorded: 12,25,54
